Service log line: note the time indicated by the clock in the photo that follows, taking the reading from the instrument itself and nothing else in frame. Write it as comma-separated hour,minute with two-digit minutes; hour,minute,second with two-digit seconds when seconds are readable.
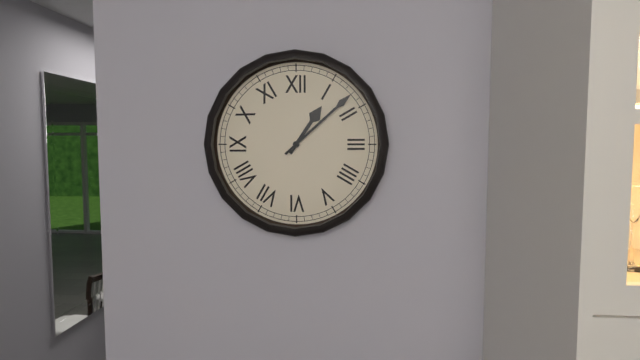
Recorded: 1,08
